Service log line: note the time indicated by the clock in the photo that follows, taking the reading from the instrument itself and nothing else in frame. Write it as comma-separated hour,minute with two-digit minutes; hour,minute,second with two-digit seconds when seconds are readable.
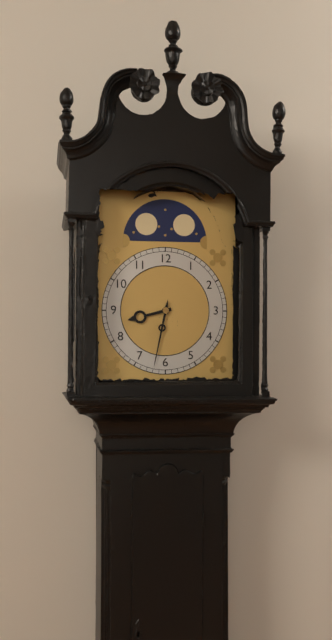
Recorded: 8,32
